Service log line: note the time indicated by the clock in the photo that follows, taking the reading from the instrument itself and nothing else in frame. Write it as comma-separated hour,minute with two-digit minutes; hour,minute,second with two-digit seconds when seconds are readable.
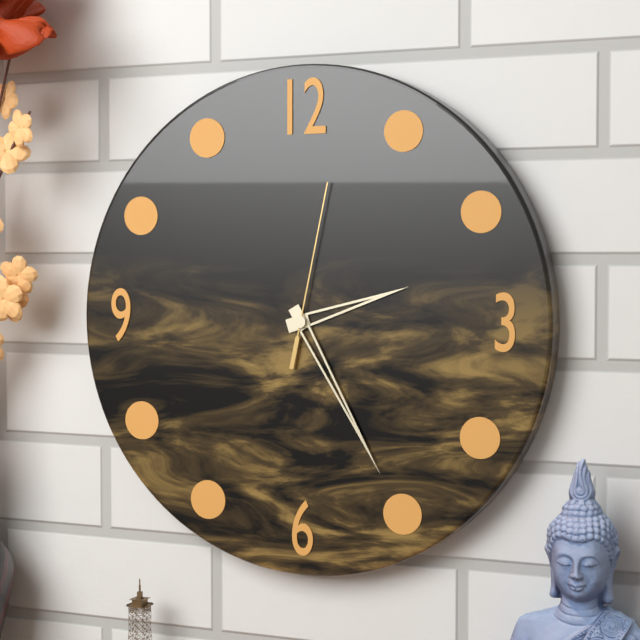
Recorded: 2,25,02
